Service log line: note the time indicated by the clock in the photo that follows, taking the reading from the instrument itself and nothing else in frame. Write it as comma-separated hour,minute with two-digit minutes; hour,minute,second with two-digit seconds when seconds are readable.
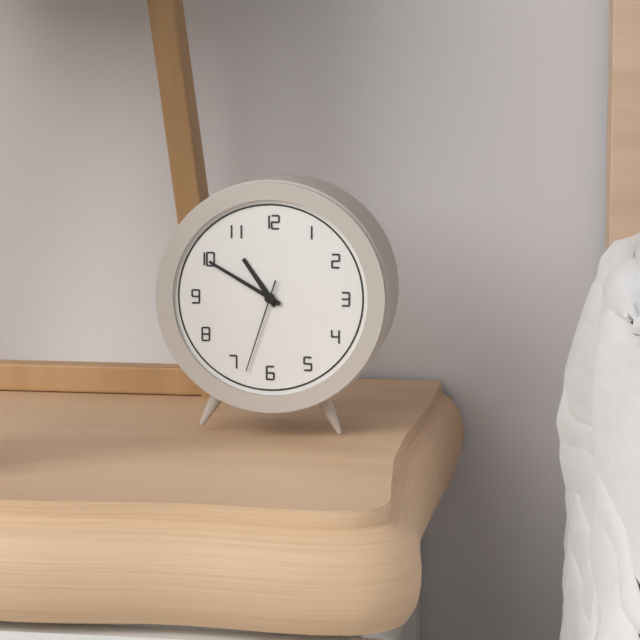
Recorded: 10,50,33
